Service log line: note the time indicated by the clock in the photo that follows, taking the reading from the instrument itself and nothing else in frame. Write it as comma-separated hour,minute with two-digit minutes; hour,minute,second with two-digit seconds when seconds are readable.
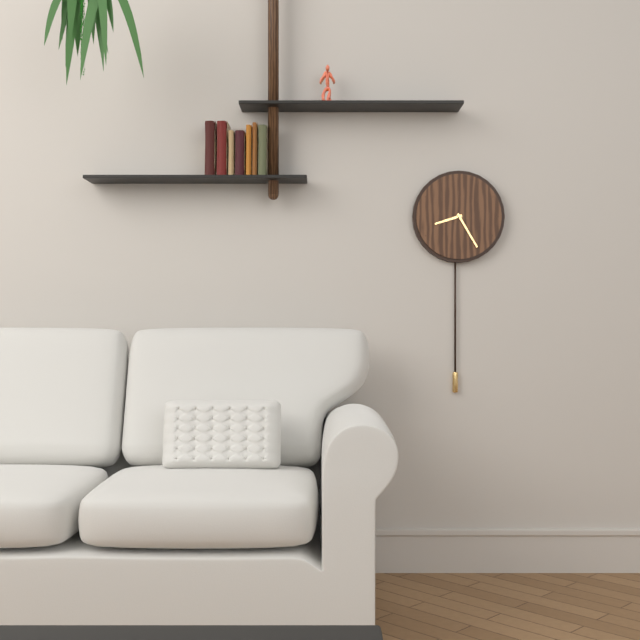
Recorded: 8,25
